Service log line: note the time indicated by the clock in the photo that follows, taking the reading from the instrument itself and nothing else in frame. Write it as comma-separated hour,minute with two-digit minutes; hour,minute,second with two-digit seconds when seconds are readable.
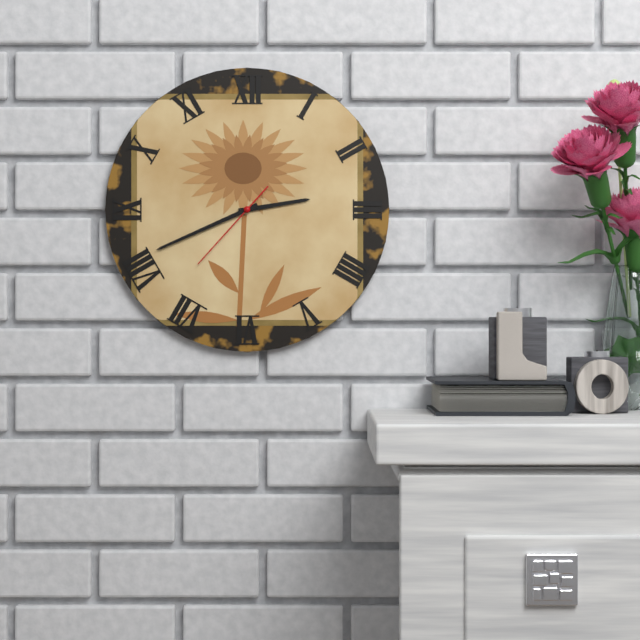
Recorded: 2,41,37
